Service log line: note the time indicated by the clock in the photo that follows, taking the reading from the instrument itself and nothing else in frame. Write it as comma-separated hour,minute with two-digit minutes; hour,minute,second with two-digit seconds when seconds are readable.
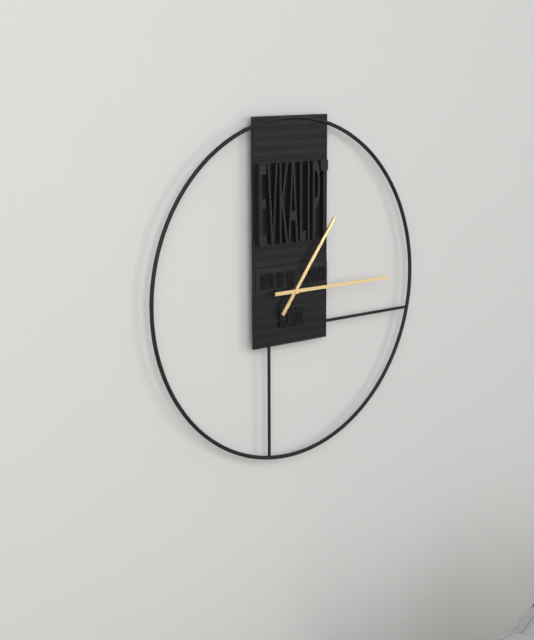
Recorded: 1,15
